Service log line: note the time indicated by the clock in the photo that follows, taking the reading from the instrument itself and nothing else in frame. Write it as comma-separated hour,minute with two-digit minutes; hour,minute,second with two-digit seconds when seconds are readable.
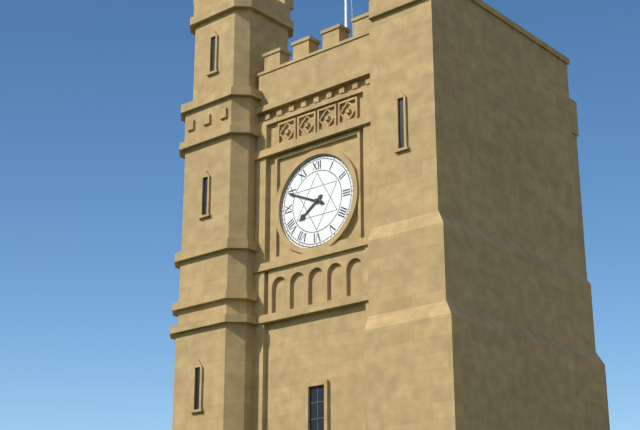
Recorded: 7,49
